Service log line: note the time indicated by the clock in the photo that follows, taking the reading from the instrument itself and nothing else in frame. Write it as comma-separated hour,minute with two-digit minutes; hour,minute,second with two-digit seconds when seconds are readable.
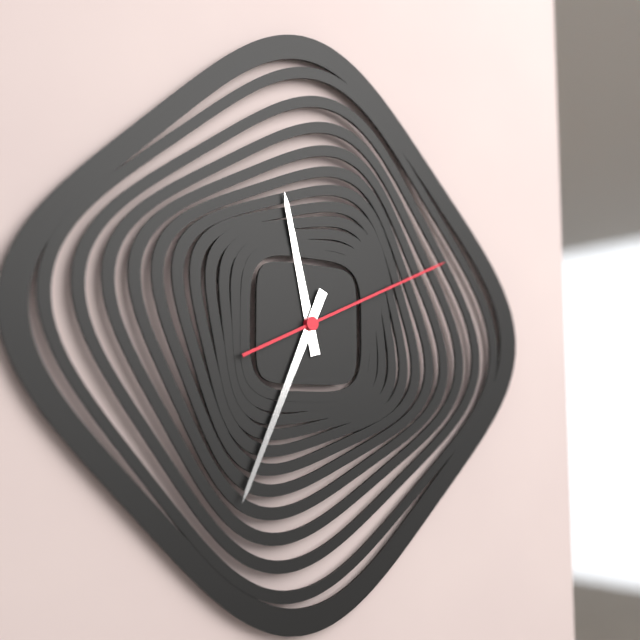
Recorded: 11,34,11
